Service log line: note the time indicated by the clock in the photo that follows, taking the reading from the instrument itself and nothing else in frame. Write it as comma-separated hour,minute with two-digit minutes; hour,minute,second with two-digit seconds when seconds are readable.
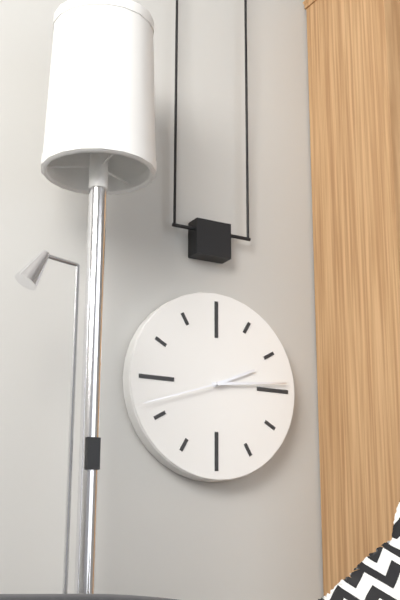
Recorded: 2,14,42
